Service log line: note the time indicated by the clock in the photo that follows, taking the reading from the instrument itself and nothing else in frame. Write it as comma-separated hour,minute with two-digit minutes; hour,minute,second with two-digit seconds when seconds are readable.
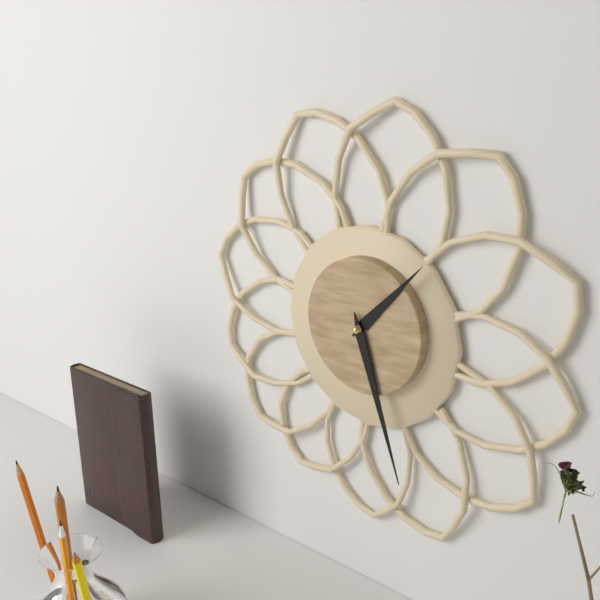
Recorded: 1,27
